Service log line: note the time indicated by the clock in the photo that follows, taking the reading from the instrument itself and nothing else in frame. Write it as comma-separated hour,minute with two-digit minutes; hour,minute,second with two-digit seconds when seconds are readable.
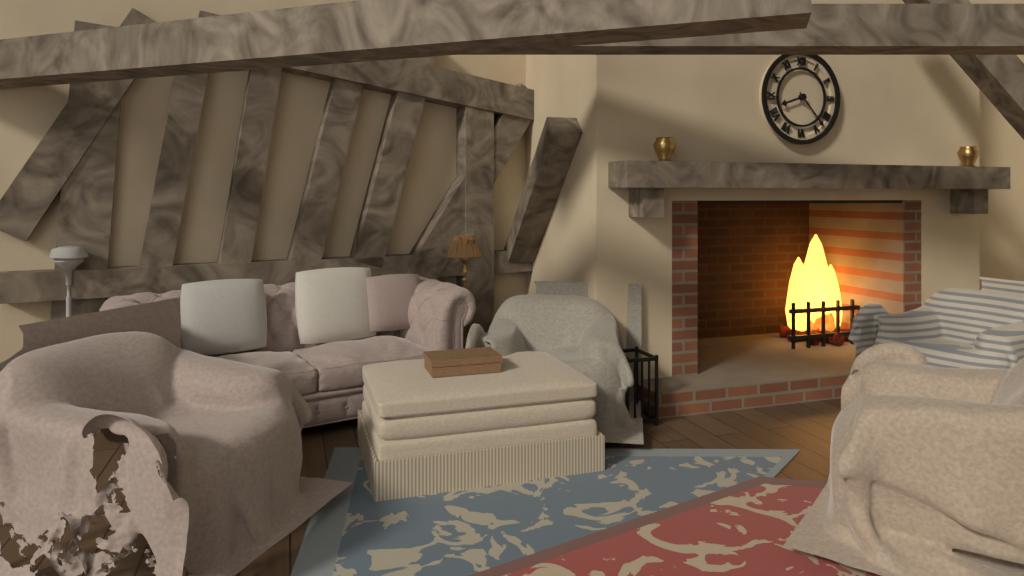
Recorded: 8,23
